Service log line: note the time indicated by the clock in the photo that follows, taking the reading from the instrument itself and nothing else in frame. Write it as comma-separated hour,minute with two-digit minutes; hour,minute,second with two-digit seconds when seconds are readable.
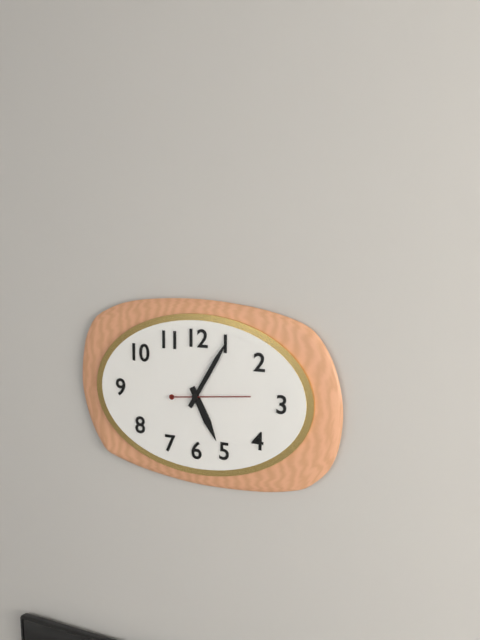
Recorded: 5,05,14
